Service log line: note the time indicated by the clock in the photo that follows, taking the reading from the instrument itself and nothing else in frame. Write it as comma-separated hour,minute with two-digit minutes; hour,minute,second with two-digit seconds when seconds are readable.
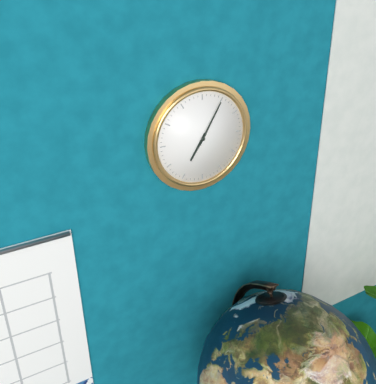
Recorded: 7,05
